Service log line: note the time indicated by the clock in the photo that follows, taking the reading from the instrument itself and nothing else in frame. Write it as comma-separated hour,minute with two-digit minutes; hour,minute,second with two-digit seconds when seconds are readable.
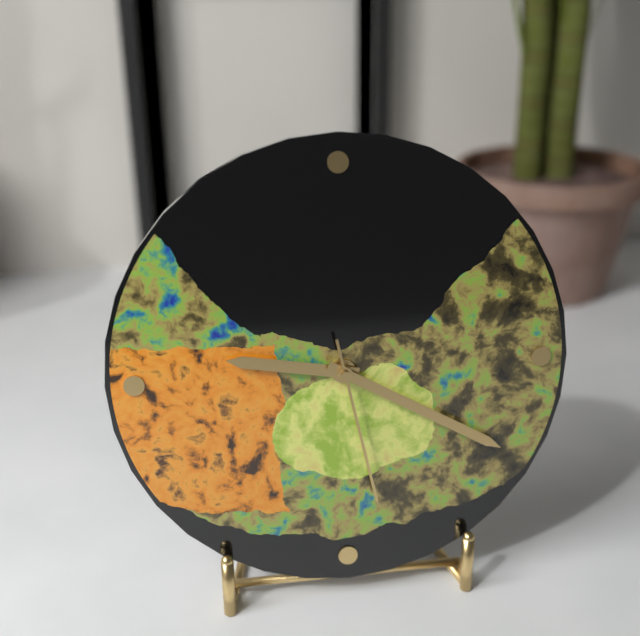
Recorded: 9,20,28
